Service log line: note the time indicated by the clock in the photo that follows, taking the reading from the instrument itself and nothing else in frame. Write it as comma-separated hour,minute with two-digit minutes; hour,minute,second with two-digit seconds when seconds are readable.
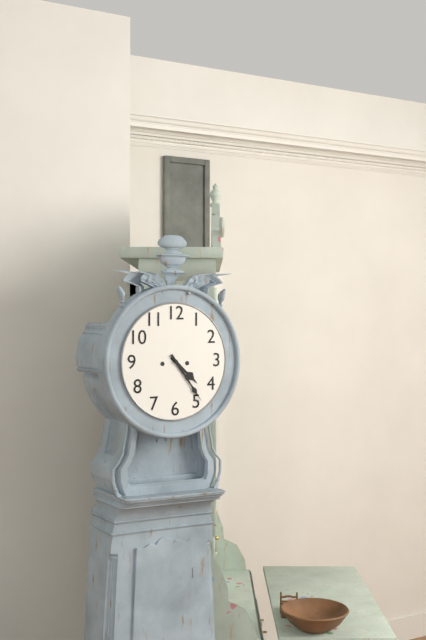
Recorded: 4,24
